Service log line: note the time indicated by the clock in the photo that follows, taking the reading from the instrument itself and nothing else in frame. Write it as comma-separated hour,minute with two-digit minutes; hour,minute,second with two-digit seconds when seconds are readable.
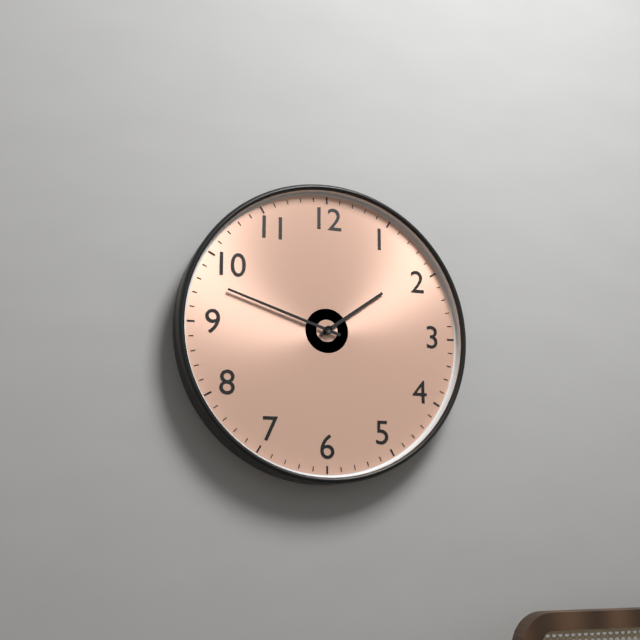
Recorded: 1,48
